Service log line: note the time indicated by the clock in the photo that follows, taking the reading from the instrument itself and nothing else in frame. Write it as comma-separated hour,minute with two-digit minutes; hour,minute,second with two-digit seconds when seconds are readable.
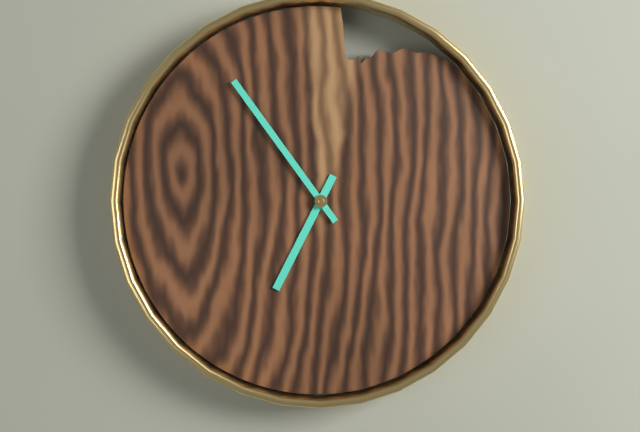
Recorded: 6,54
